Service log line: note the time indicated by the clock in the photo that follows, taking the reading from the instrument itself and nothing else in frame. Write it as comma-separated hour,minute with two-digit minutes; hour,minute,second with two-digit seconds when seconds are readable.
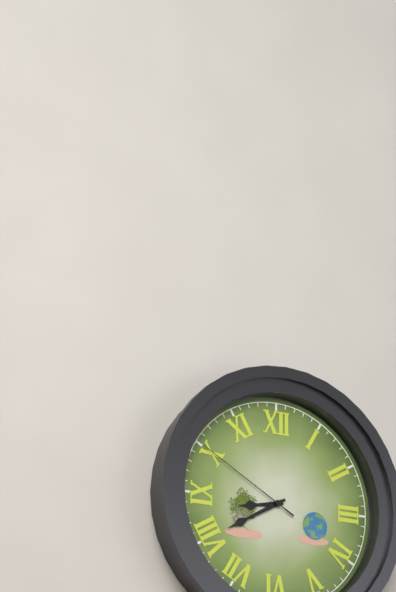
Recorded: 8,40,50
